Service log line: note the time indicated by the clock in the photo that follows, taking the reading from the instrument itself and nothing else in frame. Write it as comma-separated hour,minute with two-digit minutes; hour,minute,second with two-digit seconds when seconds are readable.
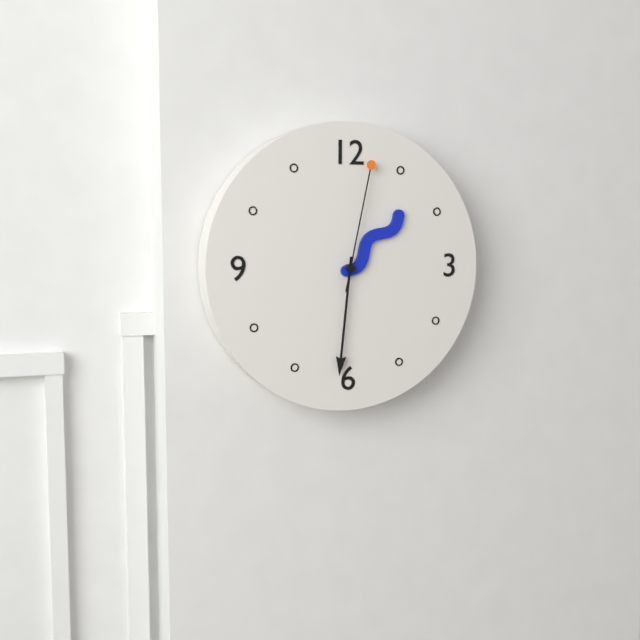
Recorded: 1,31,02
